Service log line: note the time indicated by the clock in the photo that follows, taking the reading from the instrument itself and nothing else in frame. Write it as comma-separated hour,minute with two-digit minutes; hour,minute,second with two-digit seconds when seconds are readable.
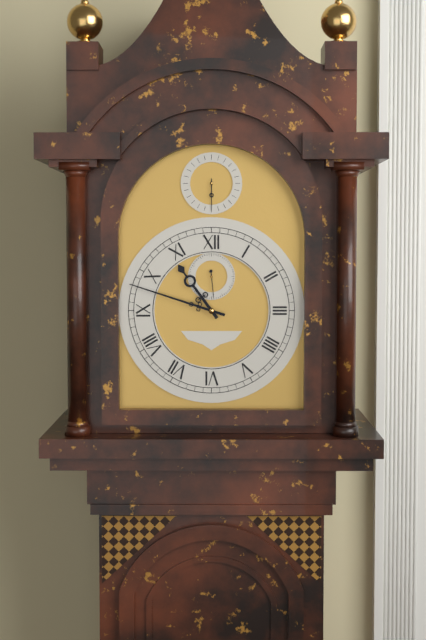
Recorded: 10,48
